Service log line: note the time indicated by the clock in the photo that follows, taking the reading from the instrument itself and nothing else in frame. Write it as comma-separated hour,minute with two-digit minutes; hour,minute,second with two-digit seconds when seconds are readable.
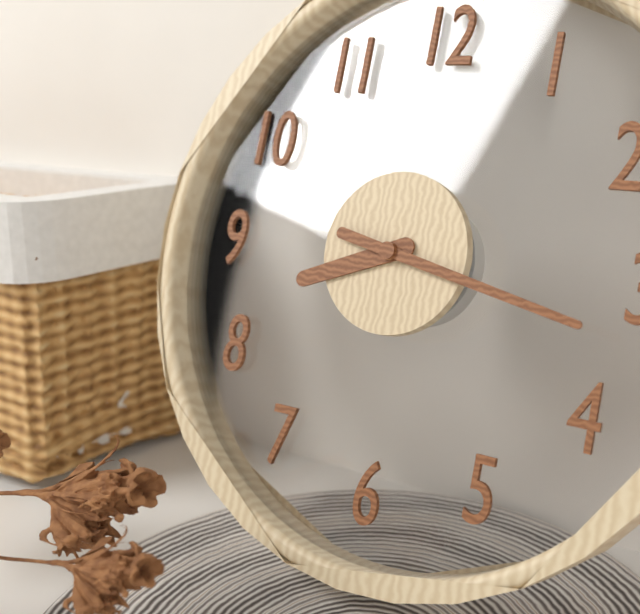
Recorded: 8,17
